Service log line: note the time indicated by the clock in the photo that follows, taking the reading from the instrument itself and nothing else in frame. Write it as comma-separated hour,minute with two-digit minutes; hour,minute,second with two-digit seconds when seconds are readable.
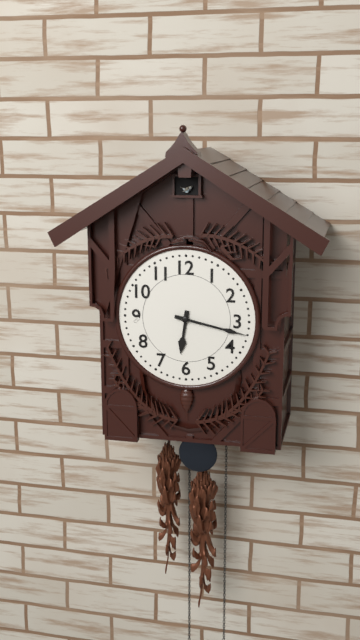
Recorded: 6,17
